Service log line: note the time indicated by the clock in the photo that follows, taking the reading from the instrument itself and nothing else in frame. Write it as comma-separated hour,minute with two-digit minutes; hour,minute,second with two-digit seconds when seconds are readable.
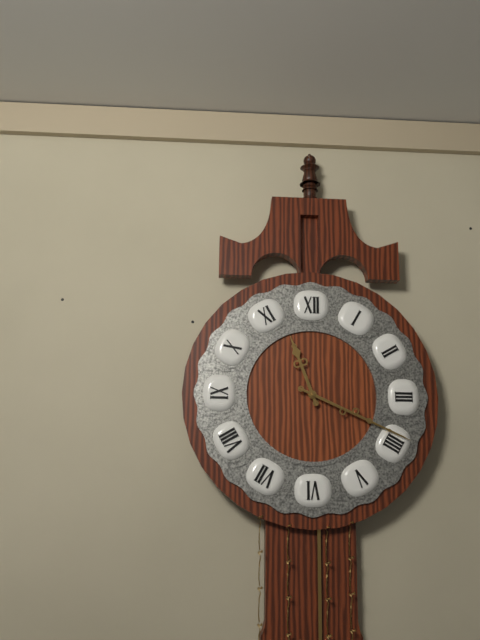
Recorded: 11,19
